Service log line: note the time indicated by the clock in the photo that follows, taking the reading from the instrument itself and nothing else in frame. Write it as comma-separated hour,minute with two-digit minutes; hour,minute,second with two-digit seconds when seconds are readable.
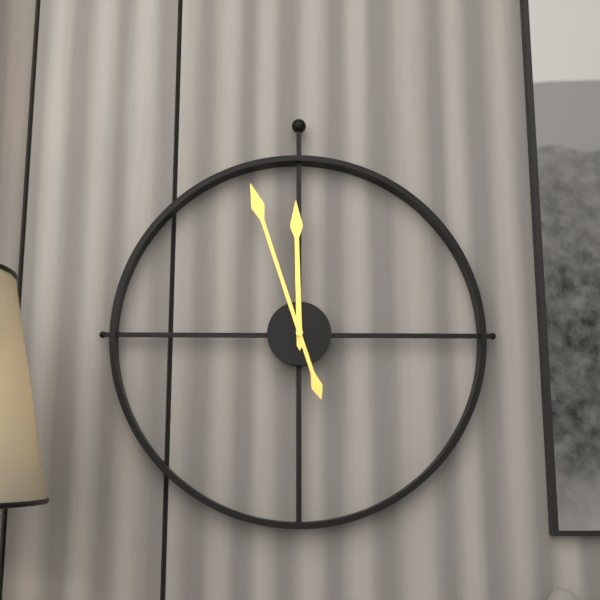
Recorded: 11,57
